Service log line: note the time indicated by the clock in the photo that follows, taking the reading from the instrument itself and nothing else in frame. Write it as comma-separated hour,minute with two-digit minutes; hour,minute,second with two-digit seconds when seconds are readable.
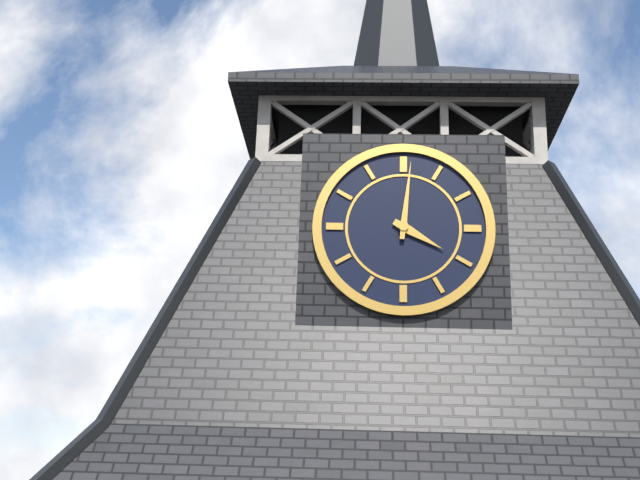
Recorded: 4,01
